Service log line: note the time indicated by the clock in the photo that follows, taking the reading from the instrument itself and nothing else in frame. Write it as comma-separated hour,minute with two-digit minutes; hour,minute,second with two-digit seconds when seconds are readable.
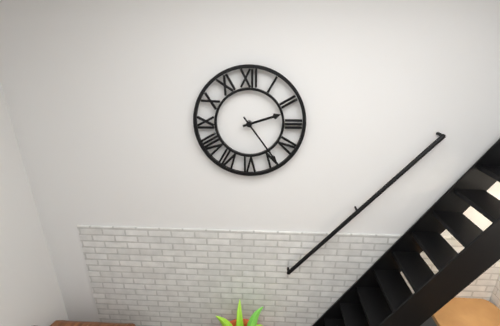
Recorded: 2,24
